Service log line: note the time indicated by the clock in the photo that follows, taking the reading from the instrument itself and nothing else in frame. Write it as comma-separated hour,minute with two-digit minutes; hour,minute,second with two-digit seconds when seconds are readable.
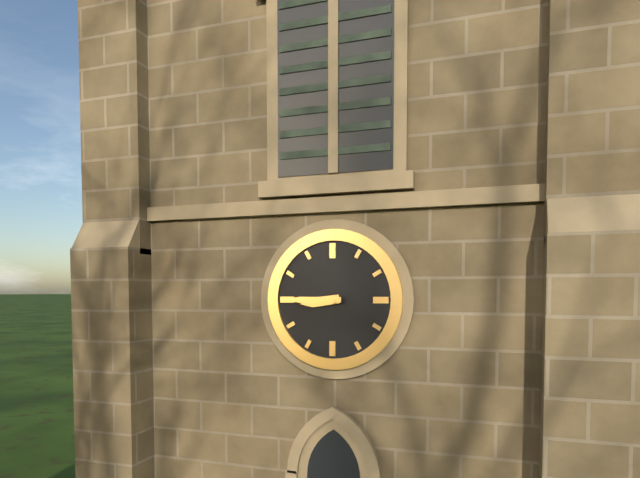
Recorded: 8,45
